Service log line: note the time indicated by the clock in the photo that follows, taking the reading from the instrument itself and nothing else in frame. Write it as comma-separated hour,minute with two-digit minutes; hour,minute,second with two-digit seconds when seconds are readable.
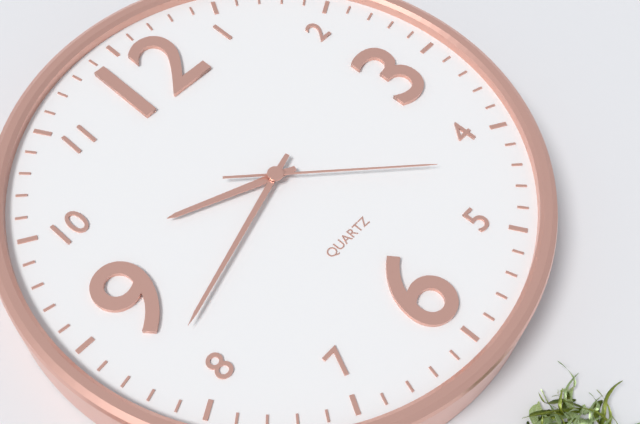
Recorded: 9,42,22
